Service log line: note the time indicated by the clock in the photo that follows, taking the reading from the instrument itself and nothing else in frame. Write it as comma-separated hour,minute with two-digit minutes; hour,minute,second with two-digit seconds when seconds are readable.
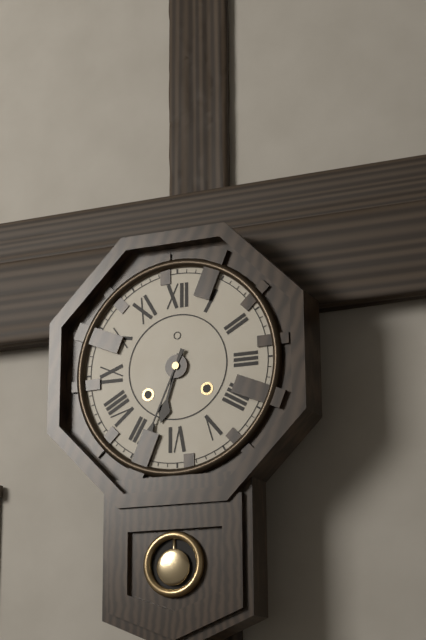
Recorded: 6,34
